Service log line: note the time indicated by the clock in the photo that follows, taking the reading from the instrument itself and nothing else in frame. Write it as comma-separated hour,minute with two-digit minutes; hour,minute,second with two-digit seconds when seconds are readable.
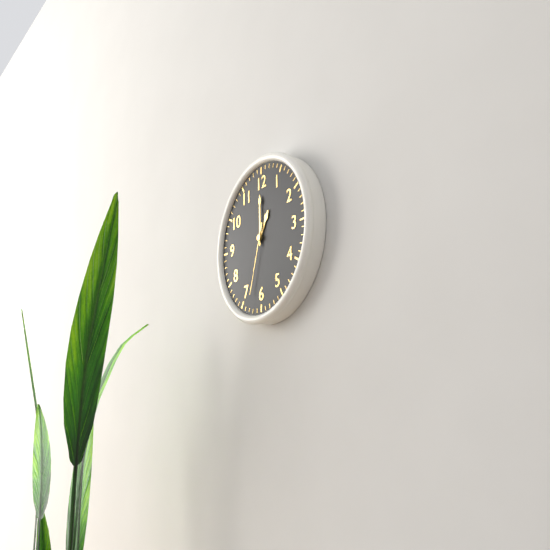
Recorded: 1,00,33
